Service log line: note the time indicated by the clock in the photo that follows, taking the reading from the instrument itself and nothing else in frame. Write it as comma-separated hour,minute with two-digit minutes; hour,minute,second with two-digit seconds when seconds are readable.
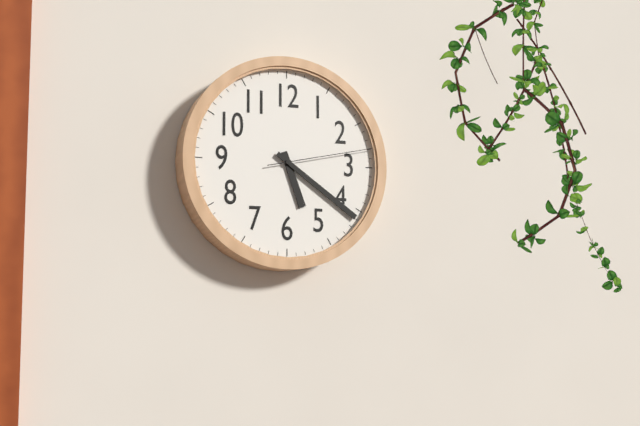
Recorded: 5,21,13
